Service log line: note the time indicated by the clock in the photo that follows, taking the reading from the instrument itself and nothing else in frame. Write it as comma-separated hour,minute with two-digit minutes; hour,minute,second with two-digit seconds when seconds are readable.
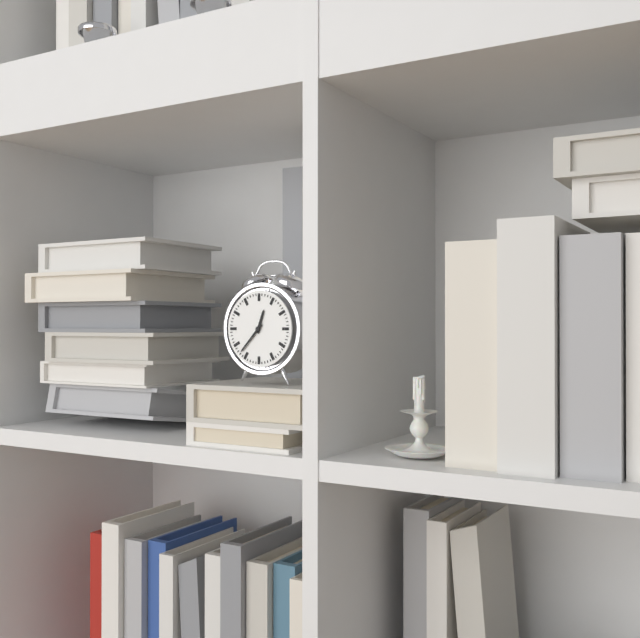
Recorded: 12,37
